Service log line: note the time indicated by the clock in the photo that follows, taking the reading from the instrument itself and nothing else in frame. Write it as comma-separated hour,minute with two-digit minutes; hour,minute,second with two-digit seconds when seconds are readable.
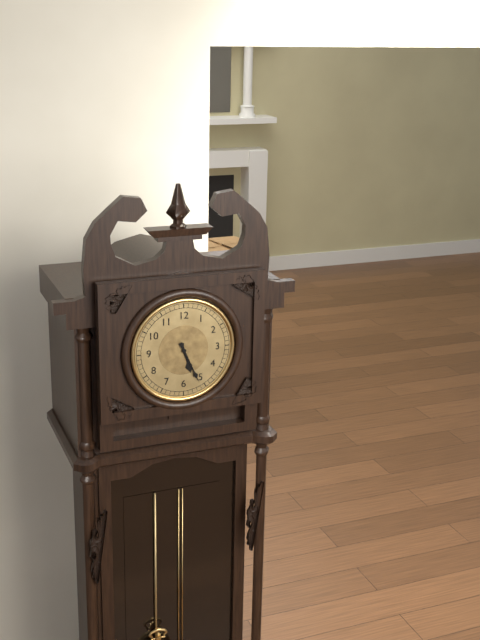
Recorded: 5,26
